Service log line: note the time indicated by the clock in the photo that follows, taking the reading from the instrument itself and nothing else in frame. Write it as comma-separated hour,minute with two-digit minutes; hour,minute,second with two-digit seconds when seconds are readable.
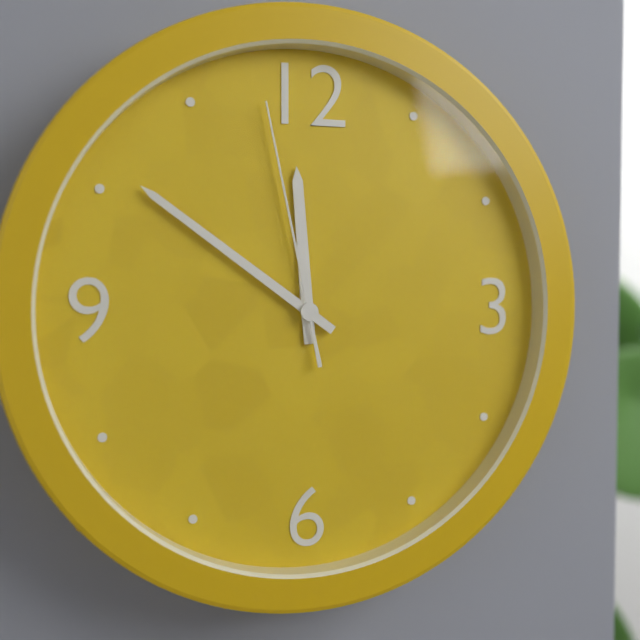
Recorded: 11,51,58
